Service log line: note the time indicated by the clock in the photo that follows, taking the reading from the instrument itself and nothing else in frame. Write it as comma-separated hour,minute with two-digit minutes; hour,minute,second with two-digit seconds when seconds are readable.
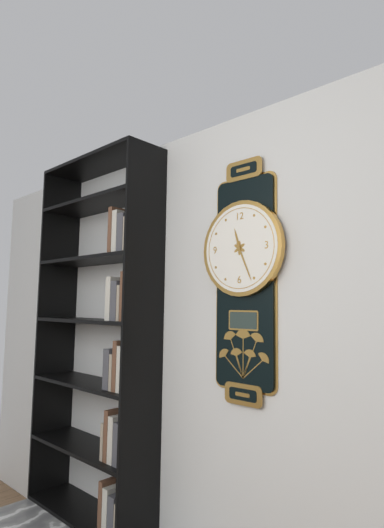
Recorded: 11,26
